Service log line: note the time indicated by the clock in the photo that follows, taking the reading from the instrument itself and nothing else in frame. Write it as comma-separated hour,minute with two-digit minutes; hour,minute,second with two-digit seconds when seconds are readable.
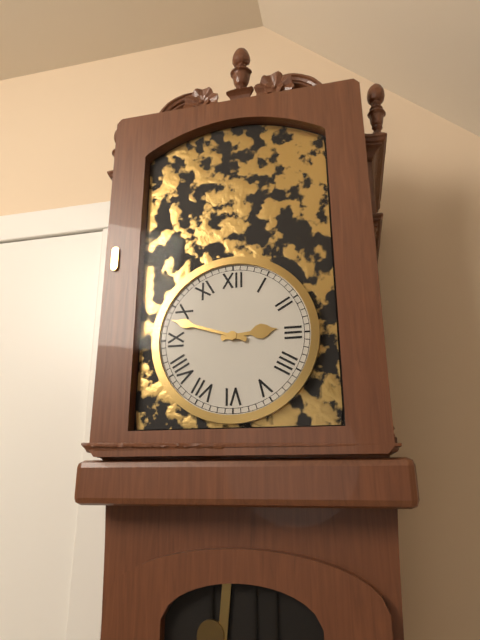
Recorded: 2,48
